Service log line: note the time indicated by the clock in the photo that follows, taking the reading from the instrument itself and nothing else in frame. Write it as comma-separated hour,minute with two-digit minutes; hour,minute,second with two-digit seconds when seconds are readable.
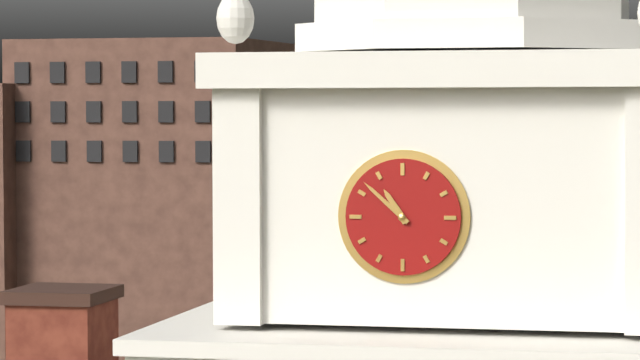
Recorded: 10,52
